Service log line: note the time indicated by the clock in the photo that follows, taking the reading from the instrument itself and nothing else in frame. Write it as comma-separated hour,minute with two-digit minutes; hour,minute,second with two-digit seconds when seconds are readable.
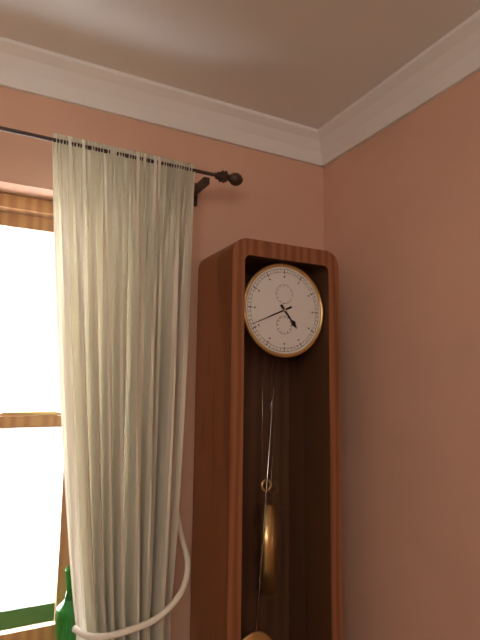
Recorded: 4,41
